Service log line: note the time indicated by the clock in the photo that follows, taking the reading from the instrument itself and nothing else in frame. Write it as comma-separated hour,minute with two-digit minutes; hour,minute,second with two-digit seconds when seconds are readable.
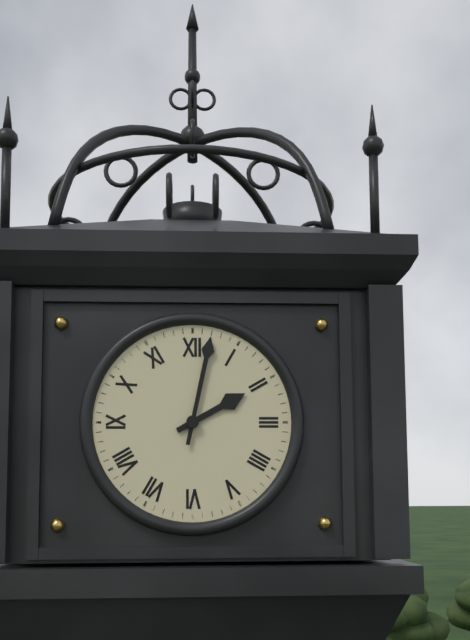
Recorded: 2,02
